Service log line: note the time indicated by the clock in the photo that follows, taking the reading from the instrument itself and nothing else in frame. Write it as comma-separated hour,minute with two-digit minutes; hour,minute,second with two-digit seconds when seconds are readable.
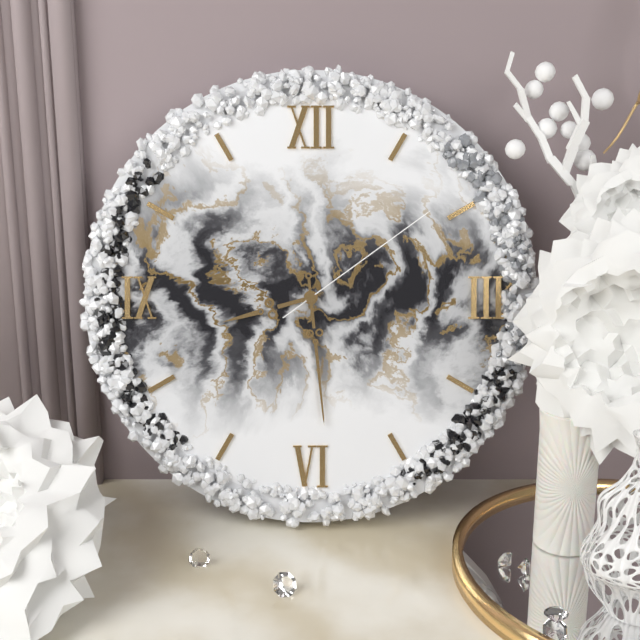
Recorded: 8,29,09
